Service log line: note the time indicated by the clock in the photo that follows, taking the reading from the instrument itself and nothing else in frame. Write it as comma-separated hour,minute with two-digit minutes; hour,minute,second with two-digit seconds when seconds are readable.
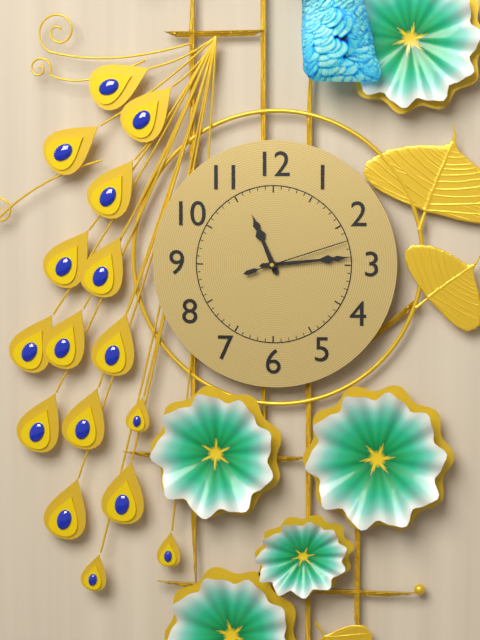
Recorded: 11,14,12
